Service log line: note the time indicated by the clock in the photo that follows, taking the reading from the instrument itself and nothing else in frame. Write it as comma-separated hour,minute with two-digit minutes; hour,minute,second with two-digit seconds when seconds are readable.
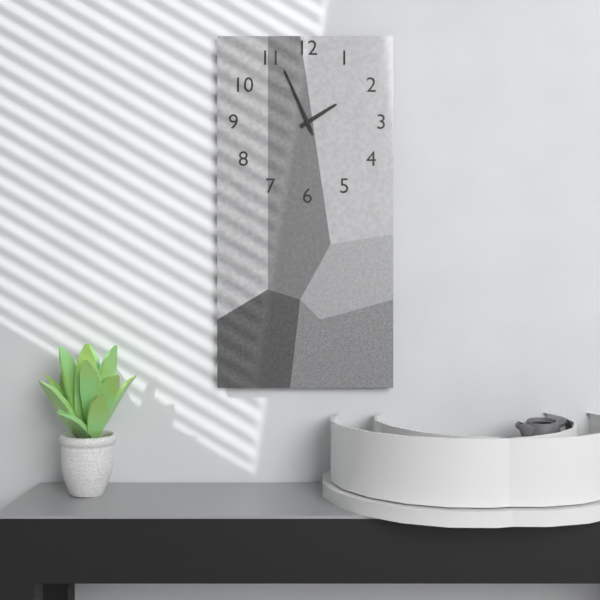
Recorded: 1,56,56
